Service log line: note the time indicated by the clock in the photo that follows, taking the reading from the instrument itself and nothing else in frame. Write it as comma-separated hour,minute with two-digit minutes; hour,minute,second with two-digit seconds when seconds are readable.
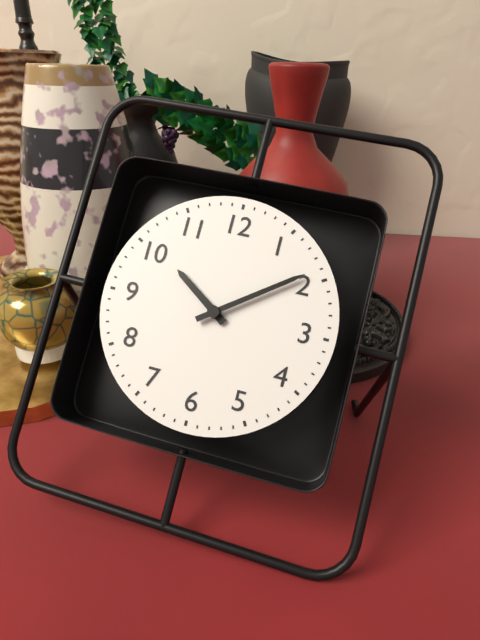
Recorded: 10,09
